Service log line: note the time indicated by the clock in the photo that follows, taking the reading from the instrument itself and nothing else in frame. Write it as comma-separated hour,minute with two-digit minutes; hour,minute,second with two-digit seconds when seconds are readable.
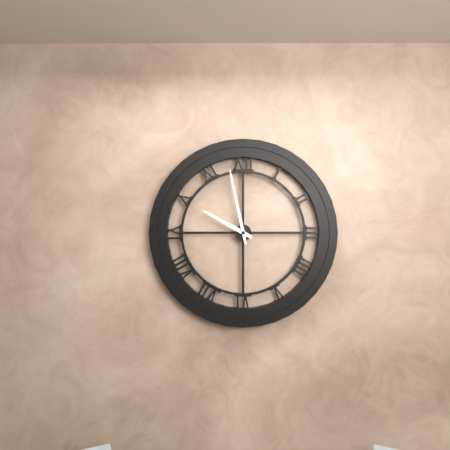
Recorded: 9,58
